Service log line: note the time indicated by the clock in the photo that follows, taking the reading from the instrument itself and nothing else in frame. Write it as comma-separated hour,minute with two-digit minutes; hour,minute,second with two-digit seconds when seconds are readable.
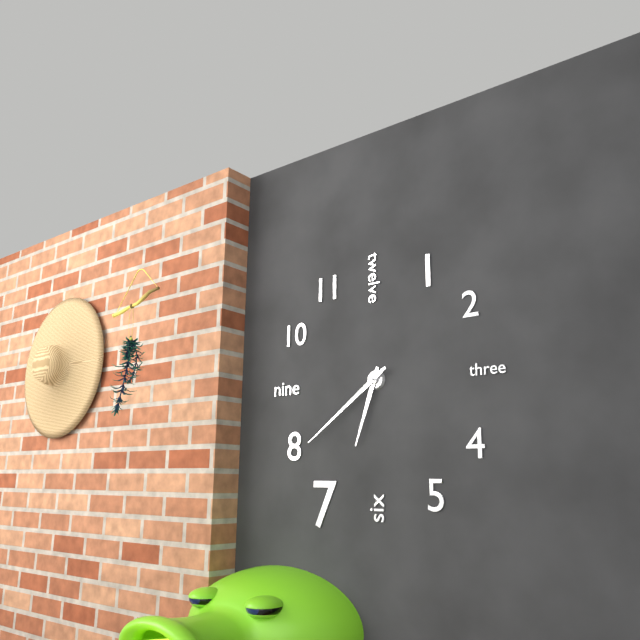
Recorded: 6,39
